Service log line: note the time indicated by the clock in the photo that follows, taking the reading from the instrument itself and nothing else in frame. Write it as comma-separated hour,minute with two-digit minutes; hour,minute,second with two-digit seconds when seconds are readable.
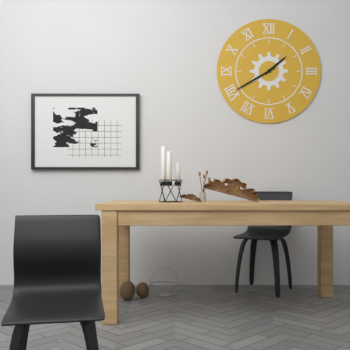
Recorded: 1,40
